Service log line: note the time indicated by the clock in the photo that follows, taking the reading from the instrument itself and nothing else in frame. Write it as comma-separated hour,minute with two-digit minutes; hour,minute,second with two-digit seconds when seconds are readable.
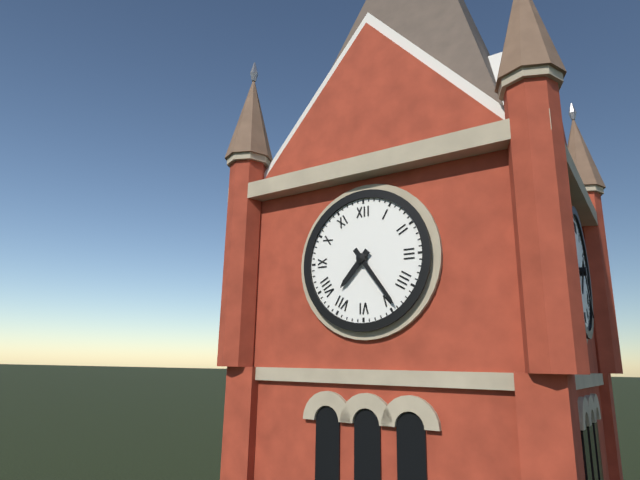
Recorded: 7,24
